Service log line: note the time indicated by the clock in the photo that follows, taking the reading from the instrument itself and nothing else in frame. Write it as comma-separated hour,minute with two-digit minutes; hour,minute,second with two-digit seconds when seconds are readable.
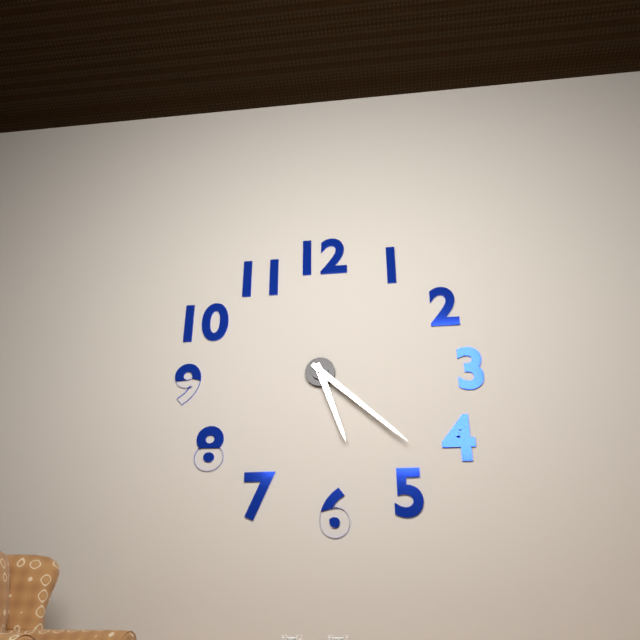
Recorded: 5,22
